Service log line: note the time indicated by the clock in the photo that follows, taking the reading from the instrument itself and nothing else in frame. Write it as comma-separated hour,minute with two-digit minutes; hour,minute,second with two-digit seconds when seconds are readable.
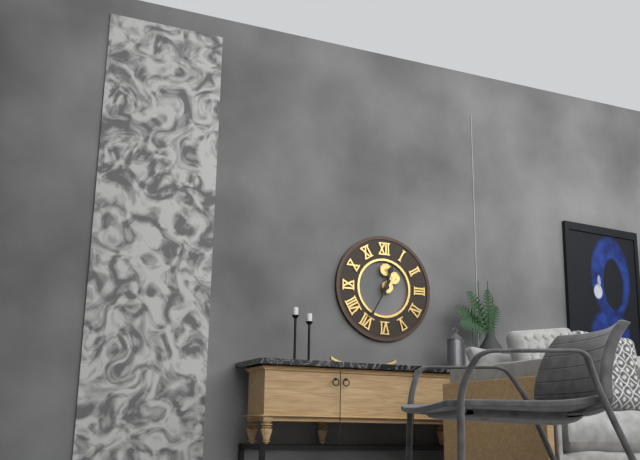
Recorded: 12,35
